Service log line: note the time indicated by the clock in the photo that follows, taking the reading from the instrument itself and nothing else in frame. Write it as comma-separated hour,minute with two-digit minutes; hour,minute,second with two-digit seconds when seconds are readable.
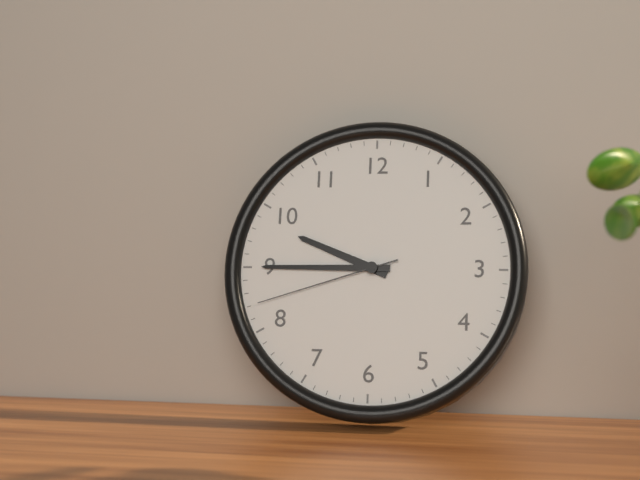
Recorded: 9,45,42
